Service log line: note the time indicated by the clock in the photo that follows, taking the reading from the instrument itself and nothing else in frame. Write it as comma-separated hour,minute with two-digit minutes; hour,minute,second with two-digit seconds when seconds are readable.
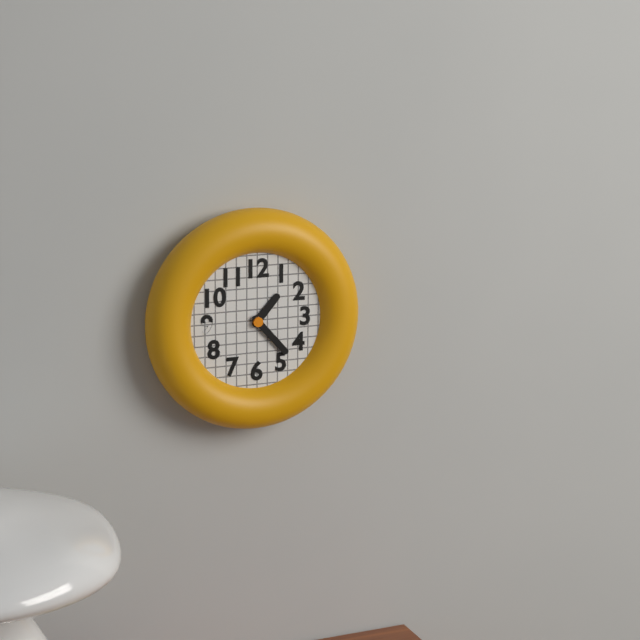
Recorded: 1,23
